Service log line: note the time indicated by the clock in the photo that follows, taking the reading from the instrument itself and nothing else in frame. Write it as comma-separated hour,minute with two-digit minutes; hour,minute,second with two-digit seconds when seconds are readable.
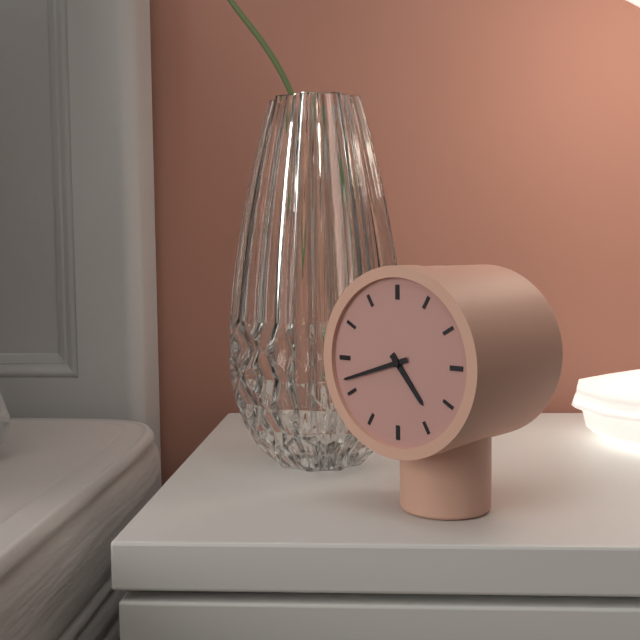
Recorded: 4,42
